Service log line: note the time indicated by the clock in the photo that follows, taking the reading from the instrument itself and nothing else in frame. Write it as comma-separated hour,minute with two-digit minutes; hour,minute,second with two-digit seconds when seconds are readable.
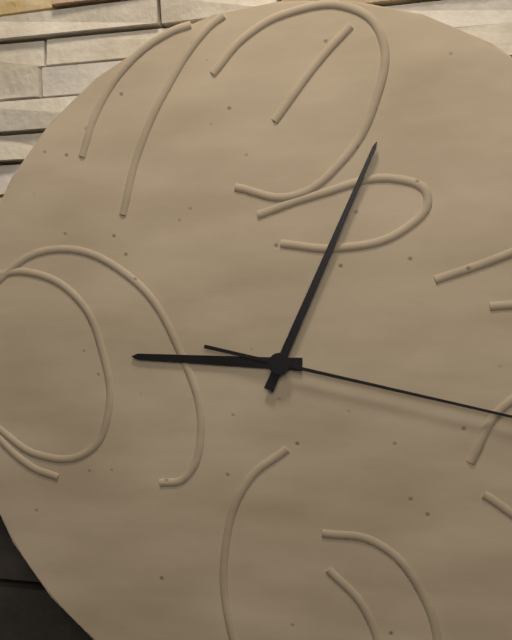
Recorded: 9,04
